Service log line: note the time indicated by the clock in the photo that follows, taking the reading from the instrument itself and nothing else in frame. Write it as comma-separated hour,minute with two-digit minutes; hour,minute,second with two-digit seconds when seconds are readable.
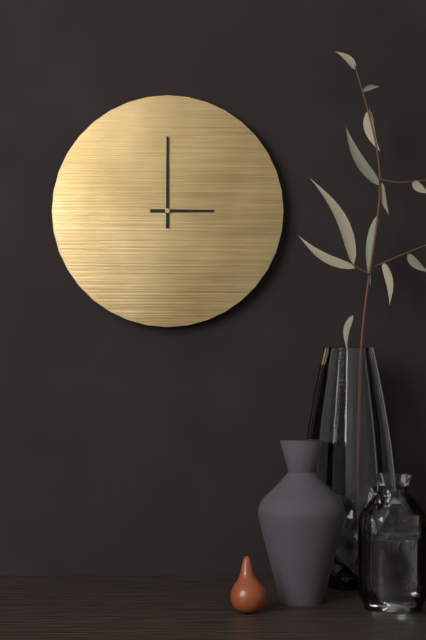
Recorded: 3,00
